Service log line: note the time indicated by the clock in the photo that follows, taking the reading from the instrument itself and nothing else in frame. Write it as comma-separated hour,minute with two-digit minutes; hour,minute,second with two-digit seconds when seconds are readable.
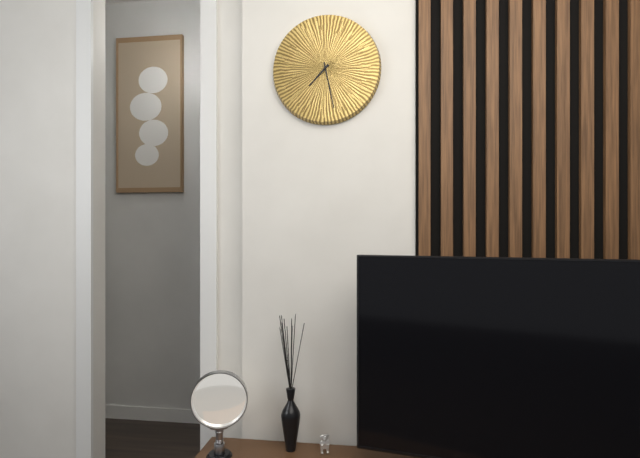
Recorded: 7,28
